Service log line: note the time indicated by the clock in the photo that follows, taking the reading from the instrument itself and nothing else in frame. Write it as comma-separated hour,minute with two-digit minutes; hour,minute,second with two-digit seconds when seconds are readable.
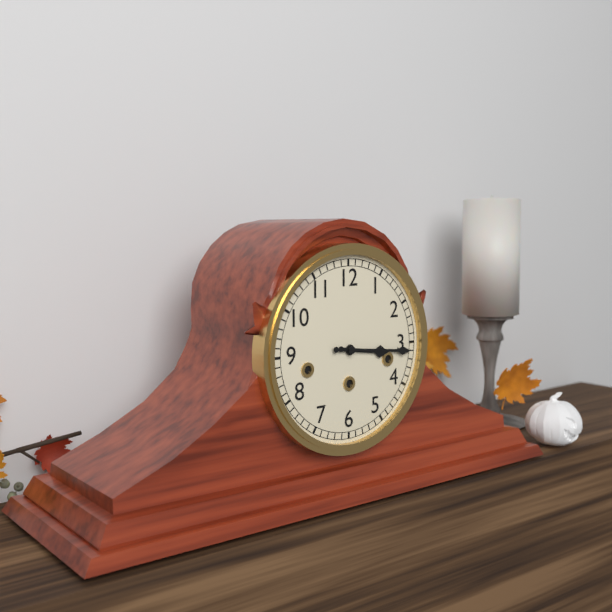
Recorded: 3,16
